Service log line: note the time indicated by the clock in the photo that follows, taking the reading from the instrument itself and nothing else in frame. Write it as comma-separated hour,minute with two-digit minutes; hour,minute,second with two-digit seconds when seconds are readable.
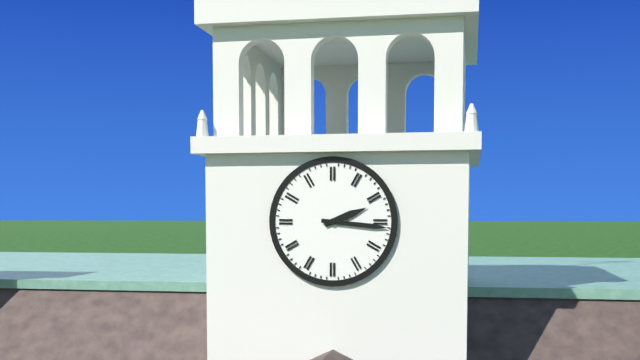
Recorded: 2,16
